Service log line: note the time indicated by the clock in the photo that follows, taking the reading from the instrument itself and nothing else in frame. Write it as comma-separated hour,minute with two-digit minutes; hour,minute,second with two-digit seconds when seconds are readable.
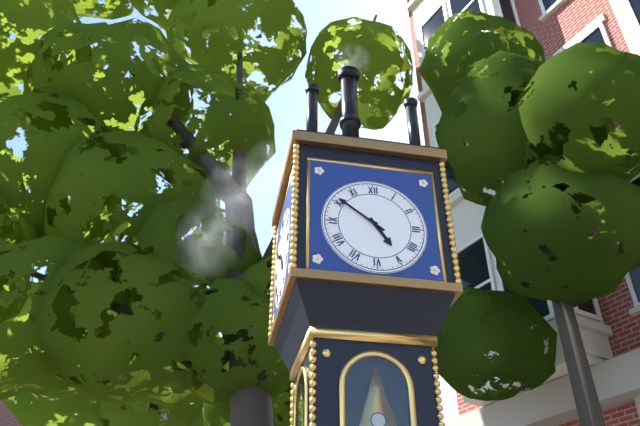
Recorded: 4,51
